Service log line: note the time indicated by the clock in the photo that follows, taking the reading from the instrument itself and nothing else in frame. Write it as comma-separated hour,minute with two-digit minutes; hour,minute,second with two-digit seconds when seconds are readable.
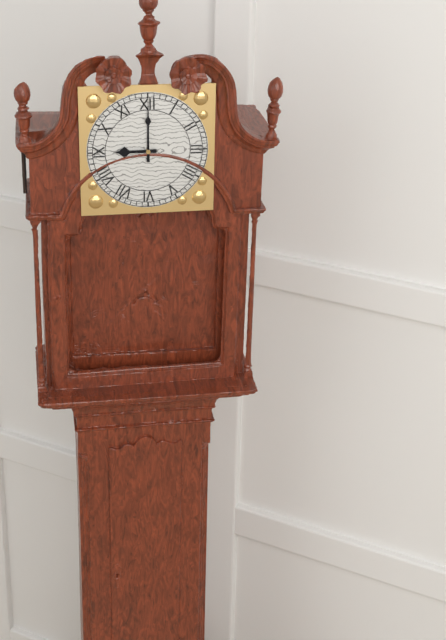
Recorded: 9,00
